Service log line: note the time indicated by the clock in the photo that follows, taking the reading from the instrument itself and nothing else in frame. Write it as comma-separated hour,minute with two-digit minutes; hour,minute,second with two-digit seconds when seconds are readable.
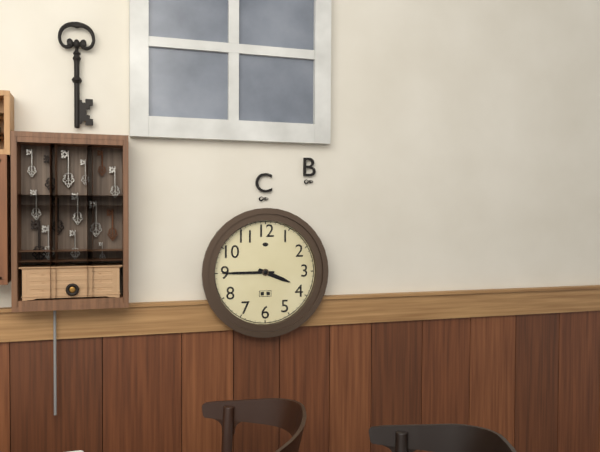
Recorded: 3,45
